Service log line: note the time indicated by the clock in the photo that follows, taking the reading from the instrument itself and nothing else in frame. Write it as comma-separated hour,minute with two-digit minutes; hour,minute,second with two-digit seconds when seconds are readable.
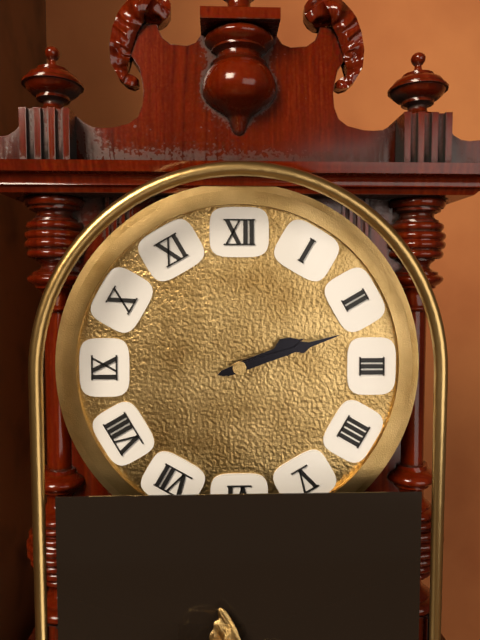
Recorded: 2,12
